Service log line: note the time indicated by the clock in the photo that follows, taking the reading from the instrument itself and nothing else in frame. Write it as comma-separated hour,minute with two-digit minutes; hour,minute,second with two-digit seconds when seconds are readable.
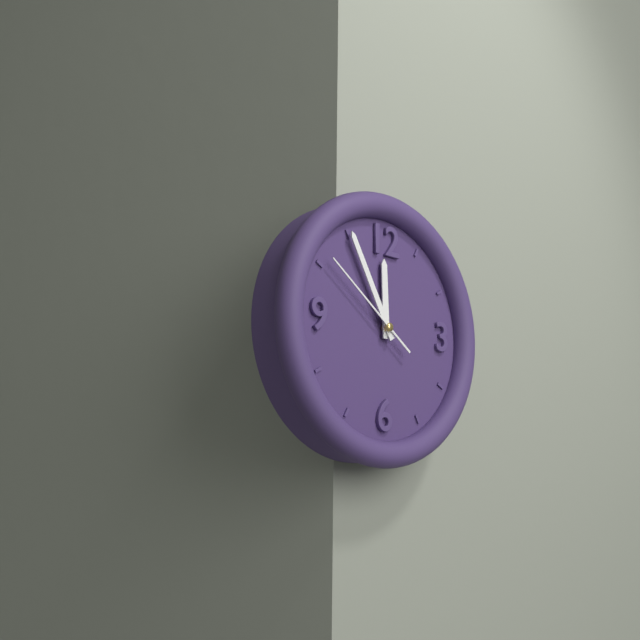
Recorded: 11,55,51
